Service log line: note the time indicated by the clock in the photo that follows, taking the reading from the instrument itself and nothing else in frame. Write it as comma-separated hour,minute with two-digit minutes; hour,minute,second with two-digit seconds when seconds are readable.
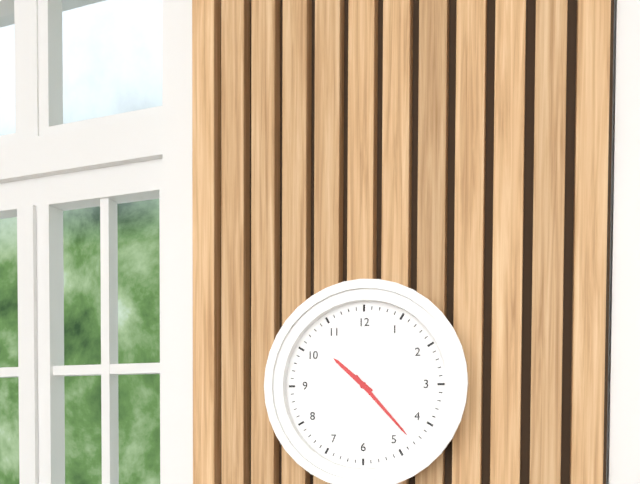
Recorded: 10,23
